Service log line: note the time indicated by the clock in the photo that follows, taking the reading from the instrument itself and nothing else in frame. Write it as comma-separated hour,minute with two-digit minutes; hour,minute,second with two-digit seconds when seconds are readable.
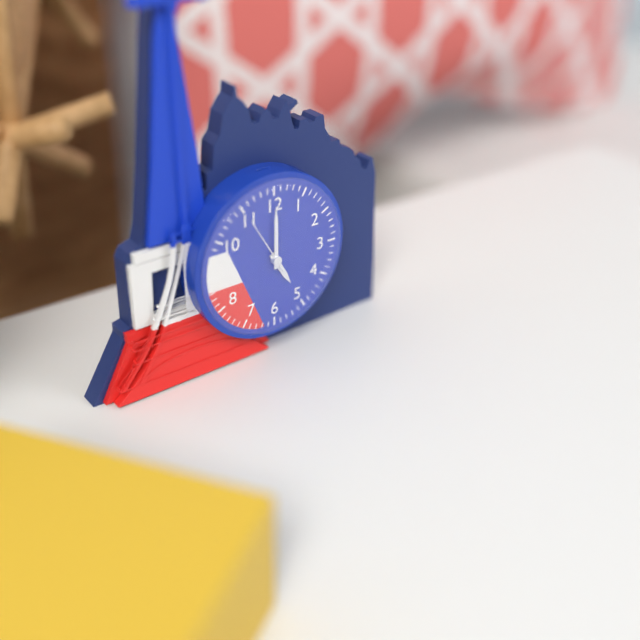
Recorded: 5,00,55
